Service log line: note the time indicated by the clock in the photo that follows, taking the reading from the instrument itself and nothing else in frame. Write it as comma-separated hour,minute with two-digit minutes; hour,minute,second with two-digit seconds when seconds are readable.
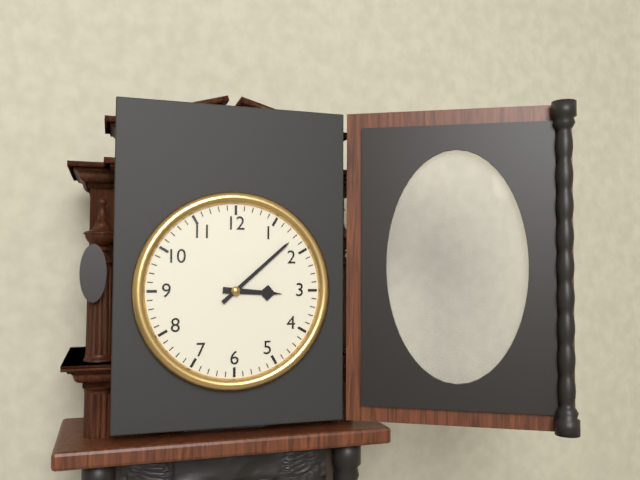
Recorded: 3,08
